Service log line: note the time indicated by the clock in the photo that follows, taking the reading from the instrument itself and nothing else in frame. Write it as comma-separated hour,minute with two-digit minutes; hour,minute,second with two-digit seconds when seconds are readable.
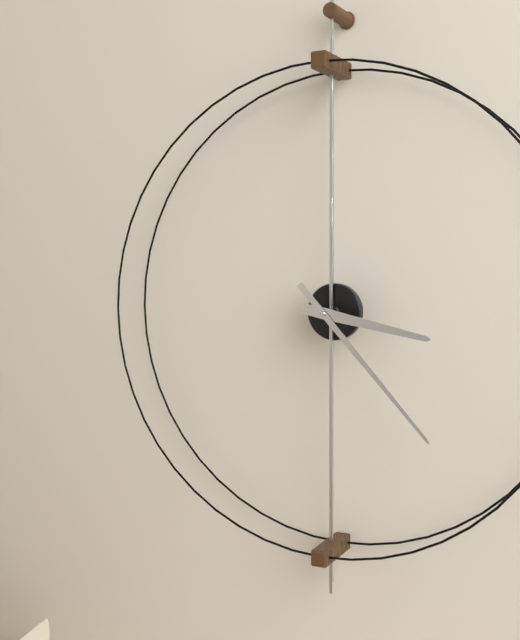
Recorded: 3,23
